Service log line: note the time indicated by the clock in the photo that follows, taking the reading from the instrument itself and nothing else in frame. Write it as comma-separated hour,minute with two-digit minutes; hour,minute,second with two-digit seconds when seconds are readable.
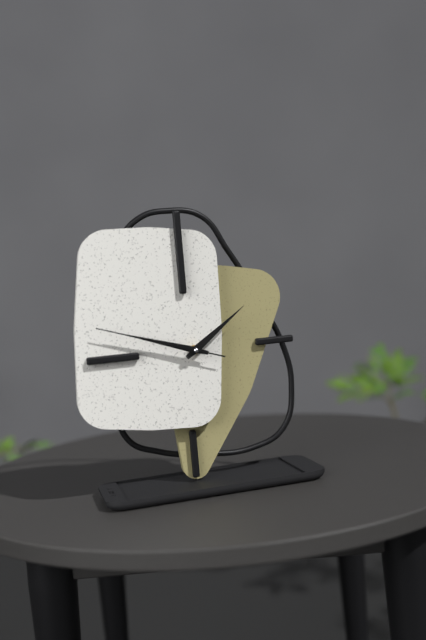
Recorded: 1,48,48
